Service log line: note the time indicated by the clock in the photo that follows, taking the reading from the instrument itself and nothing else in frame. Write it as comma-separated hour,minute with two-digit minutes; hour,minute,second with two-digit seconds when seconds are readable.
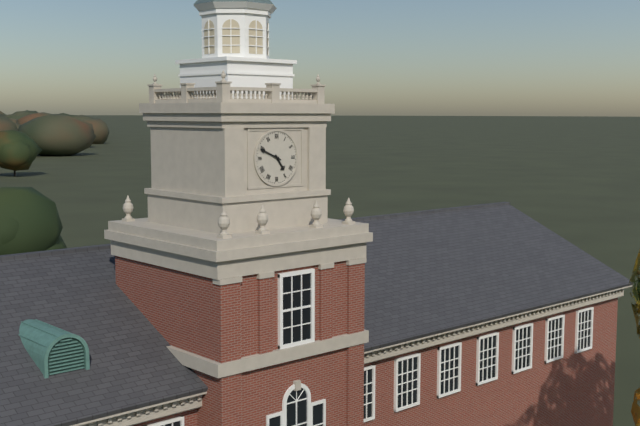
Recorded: 4,49
